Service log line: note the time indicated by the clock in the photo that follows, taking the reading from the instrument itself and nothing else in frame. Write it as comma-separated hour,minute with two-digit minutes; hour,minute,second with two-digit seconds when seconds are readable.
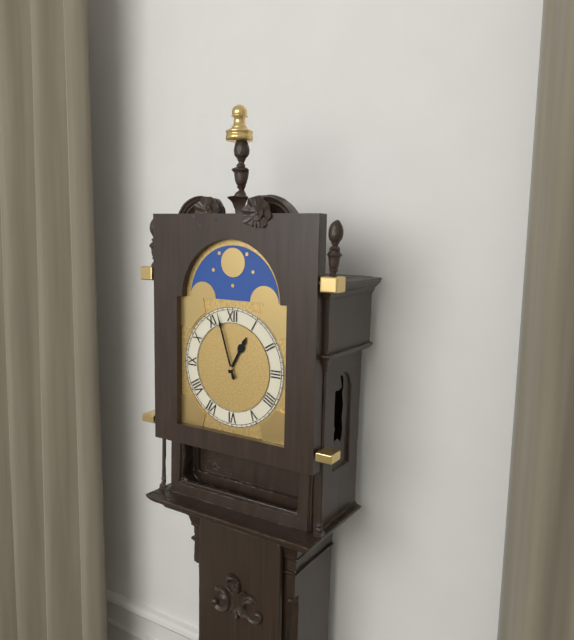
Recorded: 12,57
